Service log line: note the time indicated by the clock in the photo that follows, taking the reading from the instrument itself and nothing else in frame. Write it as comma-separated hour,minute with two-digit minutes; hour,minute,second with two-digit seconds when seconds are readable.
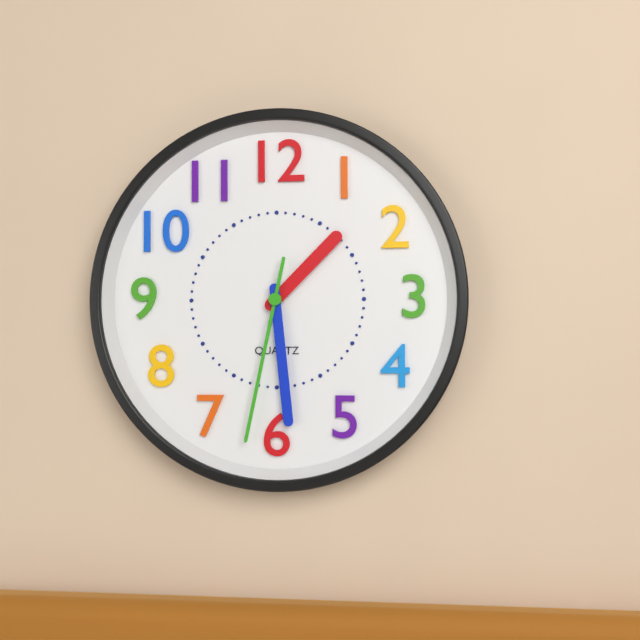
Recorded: 1,29,32
